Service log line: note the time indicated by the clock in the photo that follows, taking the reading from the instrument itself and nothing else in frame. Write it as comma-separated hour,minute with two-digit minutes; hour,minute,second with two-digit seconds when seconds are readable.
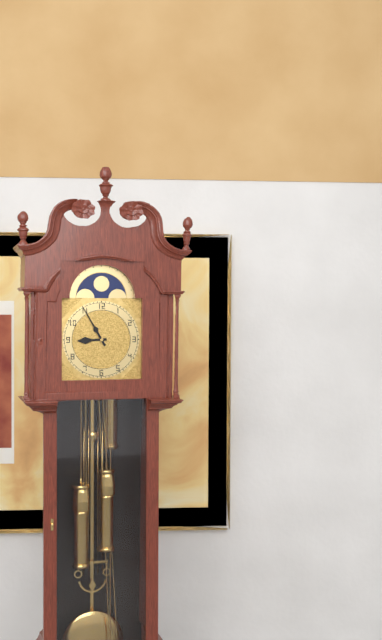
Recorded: 8,55
